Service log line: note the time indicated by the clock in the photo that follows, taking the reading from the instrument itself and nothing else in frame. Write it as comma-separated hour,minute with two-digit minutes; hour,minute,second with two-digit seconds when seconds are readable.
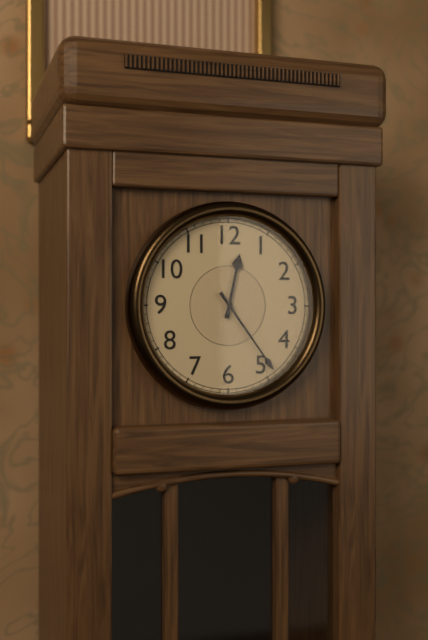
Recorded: 12,24
